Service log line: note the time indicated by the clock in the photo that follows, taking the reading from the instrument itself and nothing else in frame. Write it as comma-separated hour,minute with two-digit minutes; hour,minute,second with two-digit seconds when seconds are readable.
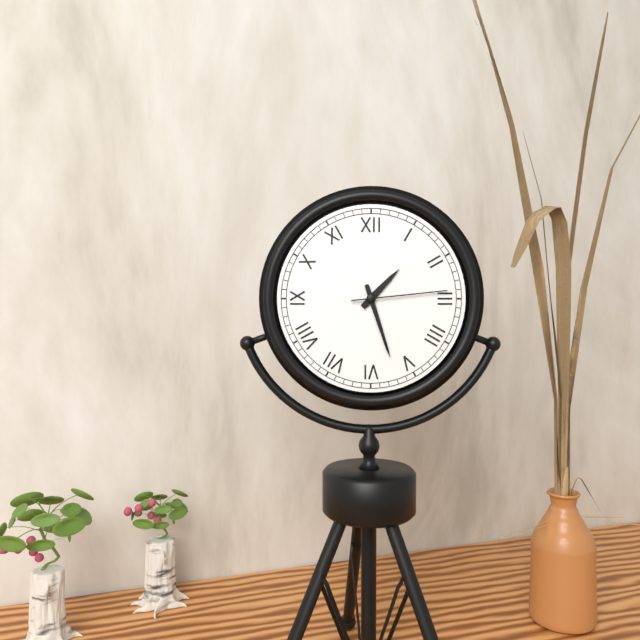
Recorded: 1,27,14
